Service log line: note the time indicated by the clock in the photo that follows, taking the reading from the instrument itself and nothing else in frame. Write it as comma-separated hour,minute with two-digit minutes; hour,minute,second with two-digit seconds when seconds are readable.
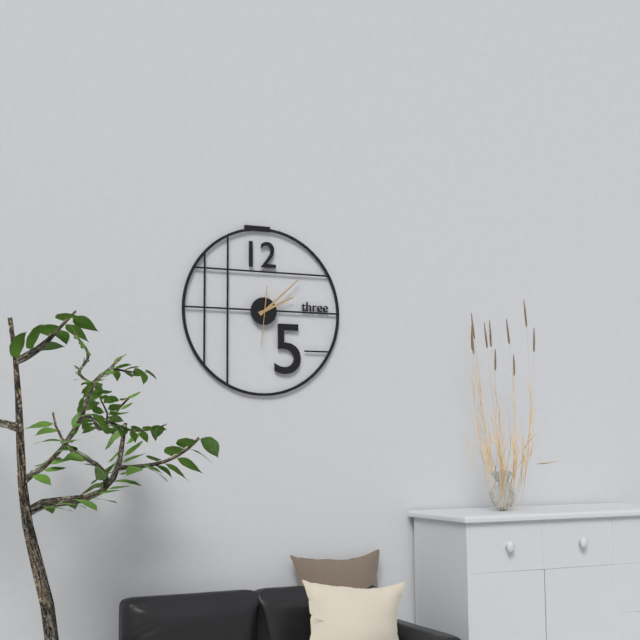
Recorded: 2,08
